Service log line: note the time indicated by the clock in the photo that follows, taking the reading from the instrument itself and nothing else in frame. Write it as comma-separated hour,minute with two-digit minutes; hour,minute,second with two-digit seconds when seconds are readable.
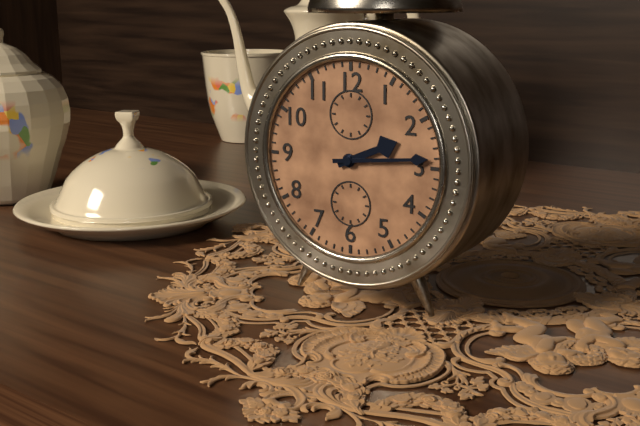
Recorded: 2,14
